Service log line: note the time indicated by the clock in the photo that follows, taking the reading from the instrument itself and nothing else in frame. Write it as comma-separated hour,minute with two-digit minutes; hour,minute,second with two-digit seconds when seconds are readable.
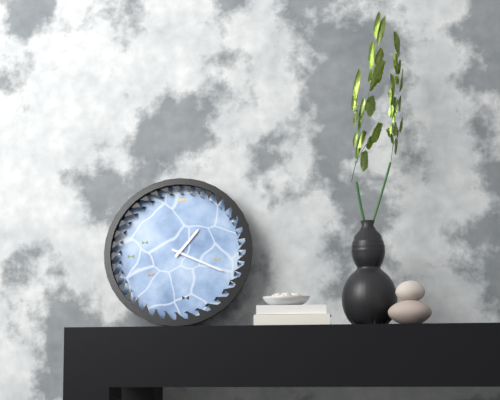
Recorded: 1,19
